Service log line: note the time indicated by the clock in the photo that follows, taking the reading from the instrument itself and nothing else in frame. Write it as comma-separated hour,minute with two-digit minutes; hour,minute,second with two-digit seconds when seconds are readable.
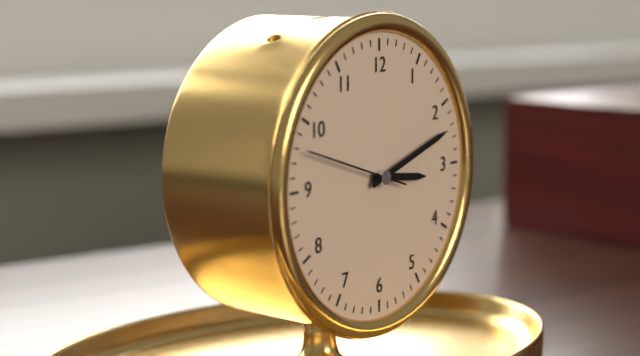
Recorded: 3,12,48
